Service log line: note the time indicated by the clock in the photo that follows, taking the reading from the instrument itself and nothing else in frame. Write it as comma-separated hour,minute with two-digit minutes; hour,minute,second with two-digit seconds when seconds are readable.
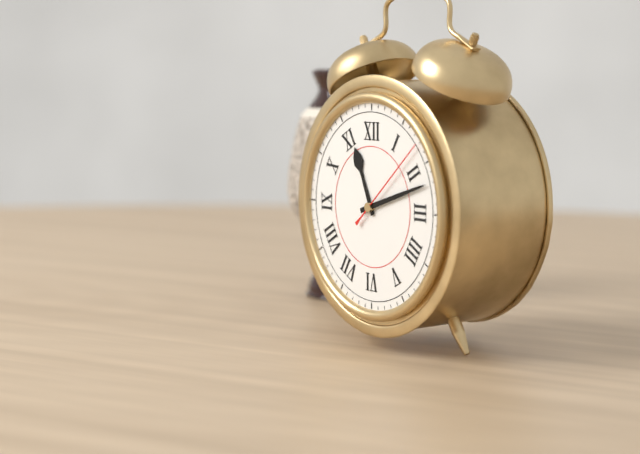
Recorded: 11,12,08
